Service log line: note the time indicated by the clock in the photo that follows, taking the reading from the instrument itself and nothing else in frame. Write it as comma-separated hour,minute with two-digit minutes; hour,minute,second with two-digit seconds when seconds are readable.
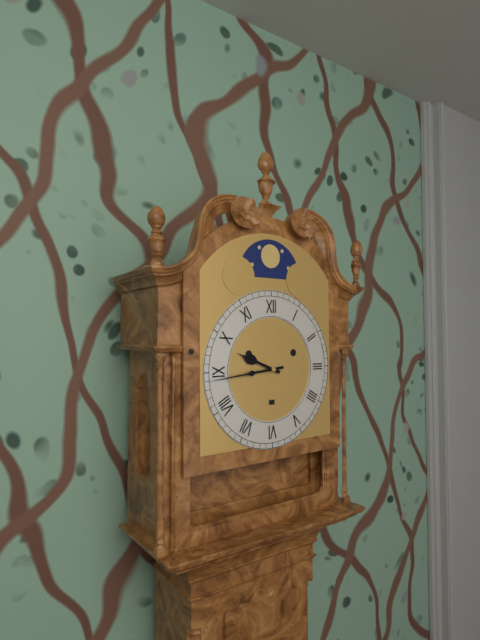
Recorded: 9,44
